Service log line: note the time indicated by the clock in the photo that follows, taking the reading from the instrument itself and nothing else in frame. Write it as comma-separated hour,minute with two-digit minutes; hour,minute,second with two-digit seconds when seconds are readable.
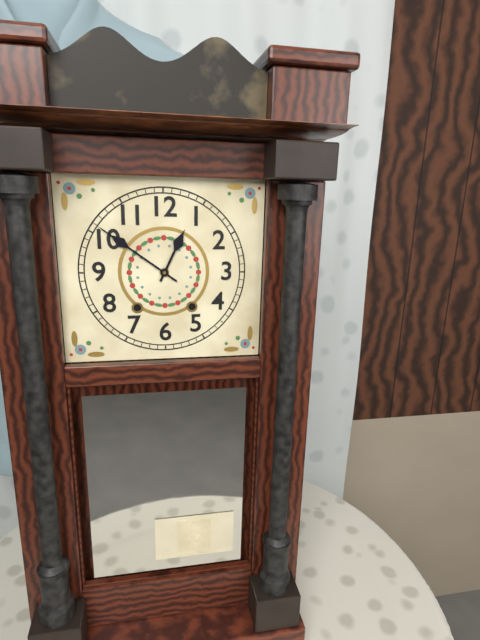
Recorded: 12,51
